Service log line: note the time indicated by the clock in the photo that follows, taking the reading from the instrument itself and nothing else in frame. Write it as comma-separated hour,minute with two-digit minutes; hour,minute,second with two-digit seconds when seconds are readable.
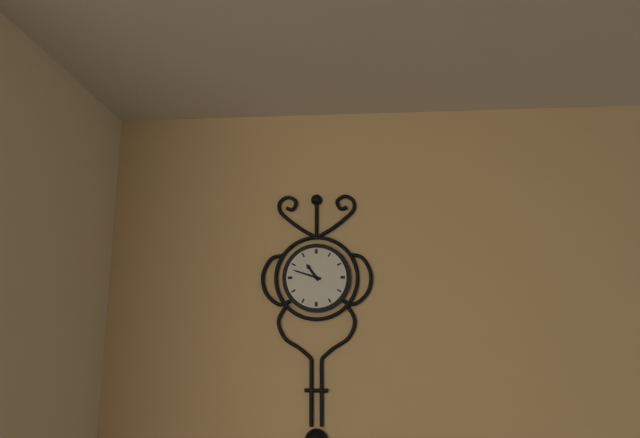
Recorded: 10,48
